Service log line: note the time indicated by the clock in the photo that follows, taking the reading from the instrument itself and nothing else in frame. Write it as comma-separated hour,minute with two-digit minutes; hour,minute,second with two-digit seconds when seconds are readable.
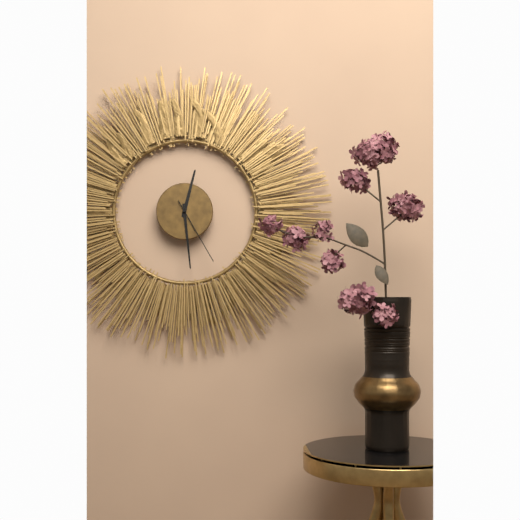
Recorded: 12,29,25
